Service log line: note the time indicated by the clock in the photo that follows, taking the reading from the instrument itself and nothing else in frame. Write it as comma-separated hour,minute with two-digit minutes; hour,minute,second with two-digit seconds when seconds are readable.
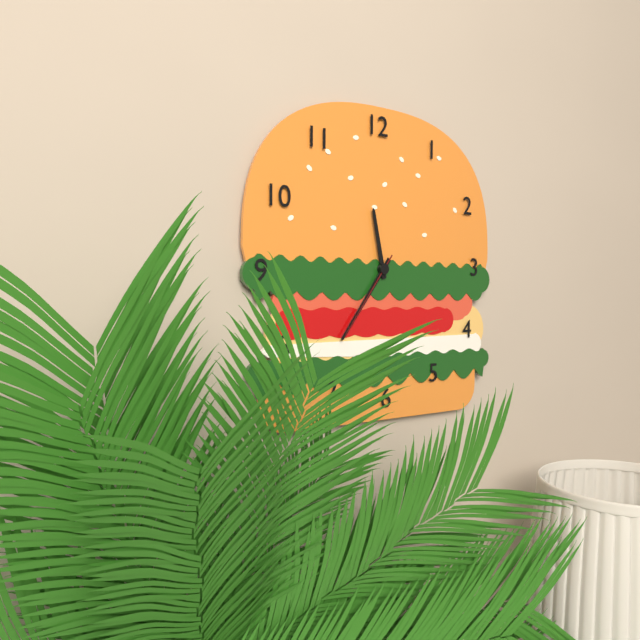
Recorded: 11,36,36
